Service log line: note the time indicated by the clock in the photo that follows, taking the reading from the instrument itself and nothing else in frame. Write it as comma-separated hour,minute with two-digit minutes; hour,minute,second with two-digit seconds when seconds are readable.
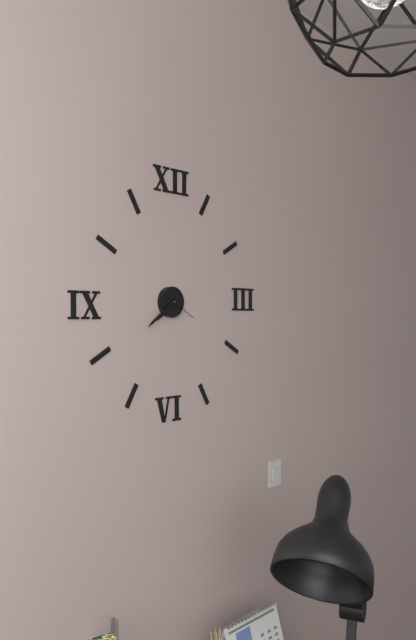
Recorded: 7,39
